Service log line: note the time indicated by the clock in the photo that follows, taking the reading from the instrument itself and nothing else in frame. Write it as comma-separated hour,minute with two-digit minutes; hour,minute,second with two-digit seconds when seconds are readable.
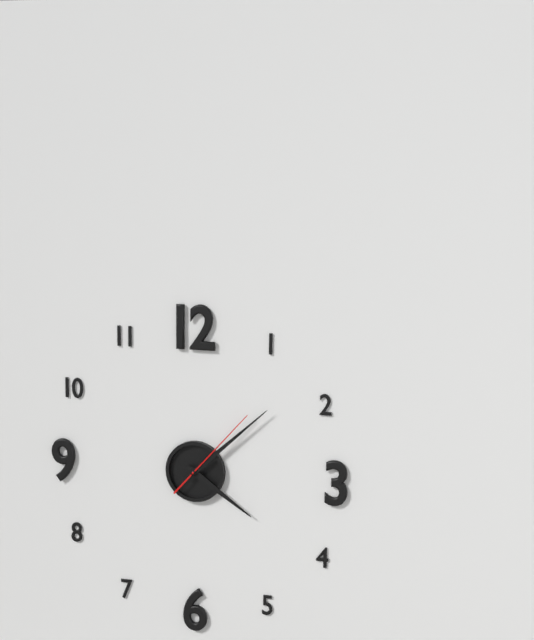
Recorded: 4,08,07
